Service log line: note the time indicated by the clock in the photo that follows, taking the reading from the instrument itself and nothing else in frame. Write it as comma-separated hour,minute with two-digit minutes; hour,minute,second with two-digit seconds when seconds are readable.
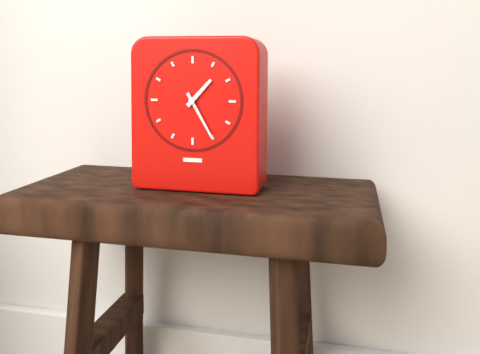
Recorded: 1,25
